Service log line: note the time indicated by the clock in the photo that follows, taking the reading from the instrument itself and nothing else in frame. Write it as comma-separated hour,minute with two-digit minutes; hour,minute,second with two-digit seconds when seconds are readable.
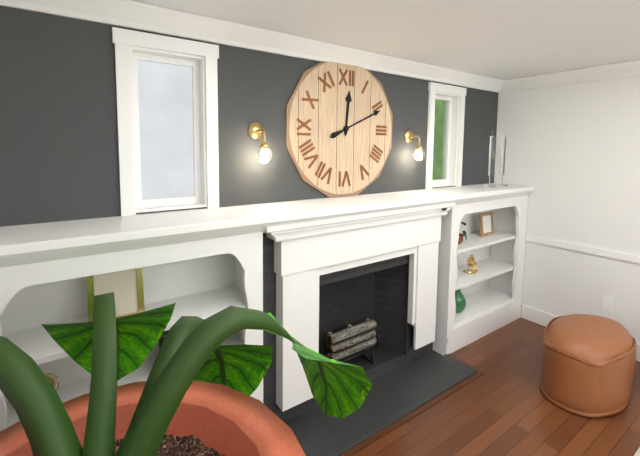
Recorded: 12,11
